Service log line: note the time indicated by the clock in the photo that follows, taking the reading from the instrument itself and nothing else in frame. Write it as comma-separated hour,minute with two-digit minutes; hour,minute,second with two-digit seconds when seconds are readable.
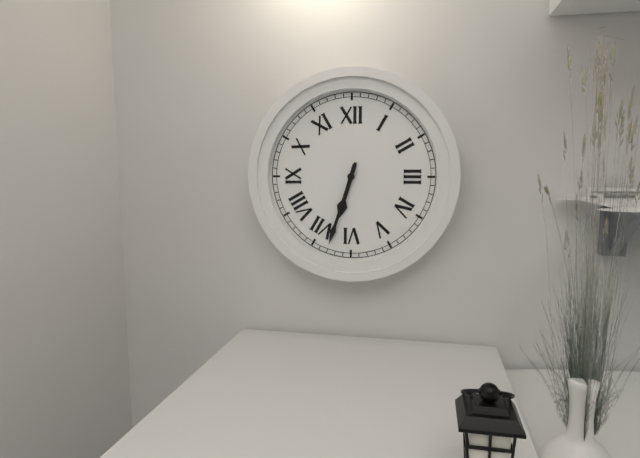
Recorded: 6,33
